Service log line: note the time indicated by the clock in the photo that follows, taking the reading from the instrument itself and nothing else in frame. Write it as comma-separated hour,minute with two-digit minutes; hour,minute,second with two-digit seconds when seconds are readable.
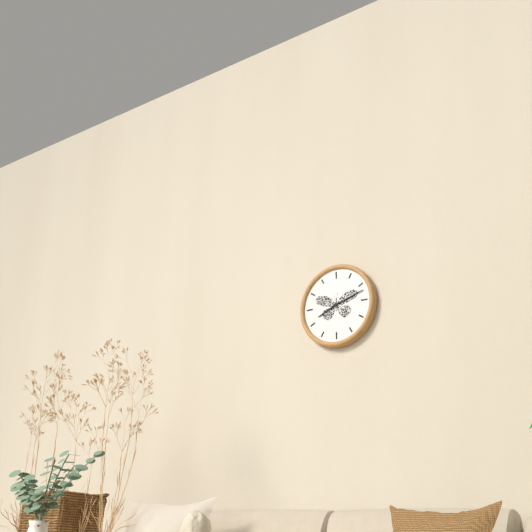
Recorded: 8,12
